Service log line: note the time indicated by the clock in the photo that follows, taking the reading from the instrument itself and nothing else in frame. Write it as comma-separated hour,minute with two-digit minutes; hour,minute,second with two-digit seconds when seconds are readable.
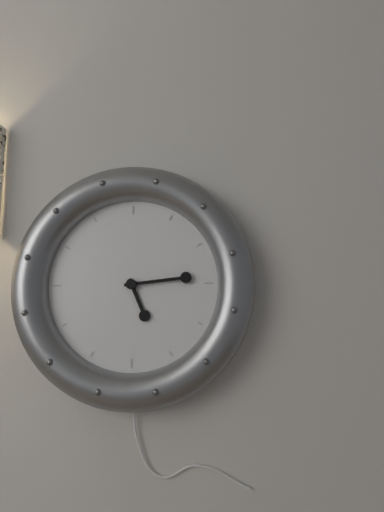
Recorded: 5,14
